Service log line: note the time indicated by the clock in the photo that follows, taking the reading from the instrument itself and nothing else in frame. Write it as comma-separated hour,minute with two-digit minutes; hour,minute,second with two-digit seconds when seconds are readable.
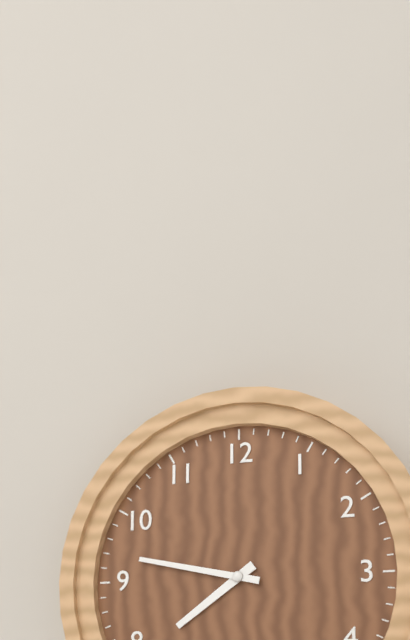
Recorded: 7,47
